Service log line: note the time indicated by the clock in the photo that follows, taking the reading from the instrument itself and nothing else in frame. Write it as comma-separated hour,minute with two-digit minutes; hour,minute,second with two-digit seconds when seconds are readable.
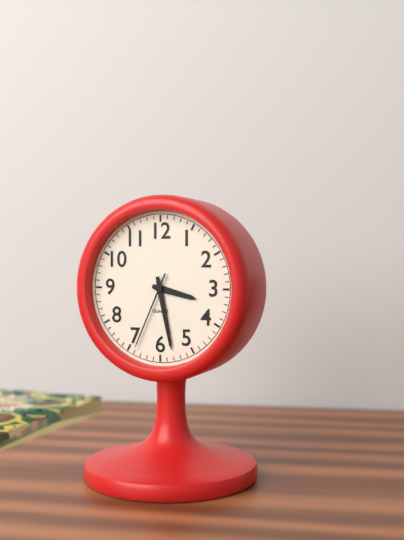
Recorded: 3,28,34
